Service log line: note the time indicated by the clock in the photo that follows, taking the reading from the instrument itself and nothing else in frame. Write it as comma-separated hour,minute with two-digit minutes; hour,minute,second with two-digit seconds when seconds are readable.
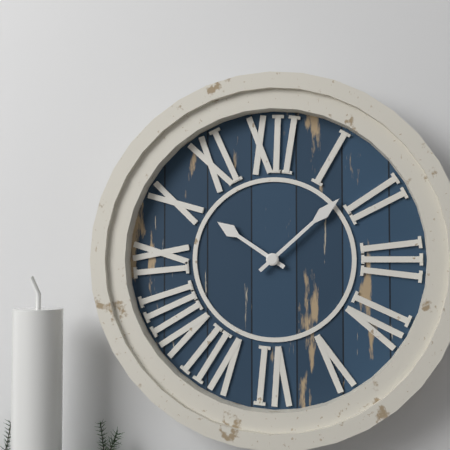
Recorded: 10,08
